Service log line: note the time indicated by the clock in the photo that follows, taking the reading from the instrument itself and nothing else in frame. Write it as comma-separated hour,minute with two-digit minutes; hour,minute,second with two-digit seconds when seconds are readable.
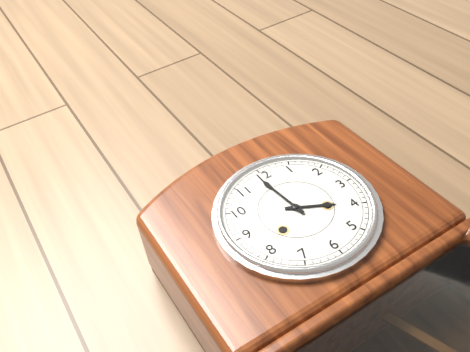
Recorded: 3,59
